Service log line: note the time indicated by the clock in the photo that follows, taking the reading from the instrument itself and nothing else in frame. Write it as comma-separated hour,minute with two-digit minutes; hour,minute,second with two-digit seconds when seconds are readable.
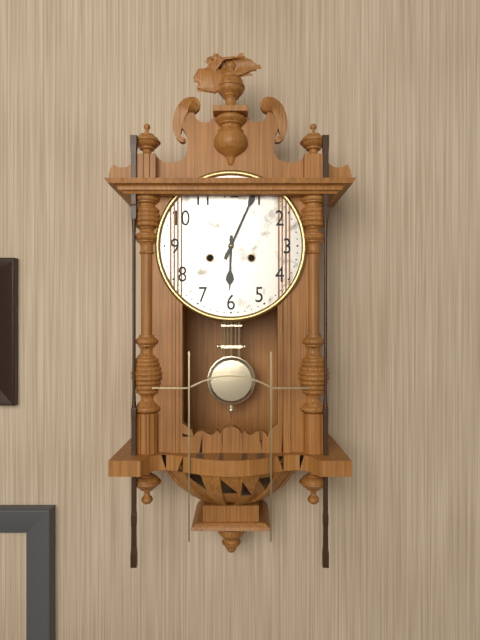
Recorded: 6,04
